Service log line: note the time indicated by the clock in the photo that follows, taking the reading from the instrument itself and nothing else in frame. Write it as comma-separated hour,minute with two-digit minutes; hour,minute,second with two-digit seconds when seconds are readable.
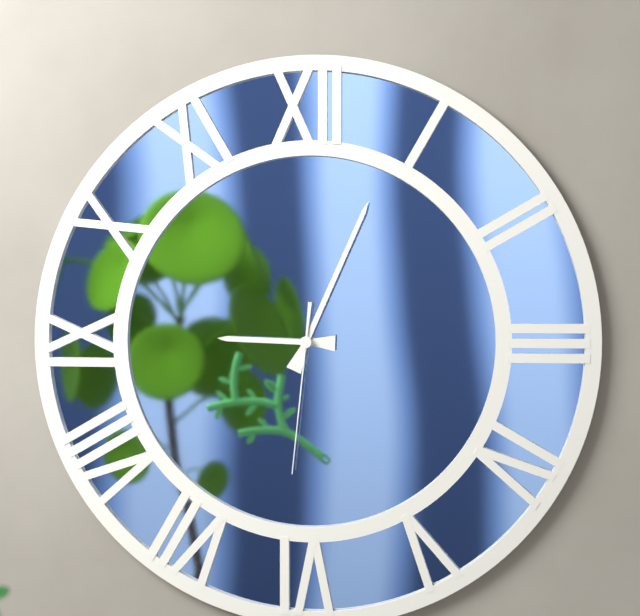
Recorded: 9,04,31
